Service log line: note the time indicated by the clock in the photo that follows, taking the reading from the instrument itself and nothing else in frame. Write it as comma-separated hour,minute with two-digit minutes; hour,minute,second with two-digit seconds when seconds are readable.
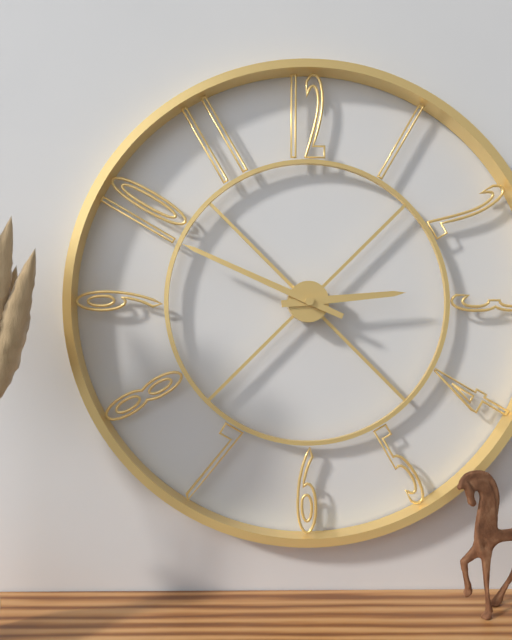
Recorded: 2,49
